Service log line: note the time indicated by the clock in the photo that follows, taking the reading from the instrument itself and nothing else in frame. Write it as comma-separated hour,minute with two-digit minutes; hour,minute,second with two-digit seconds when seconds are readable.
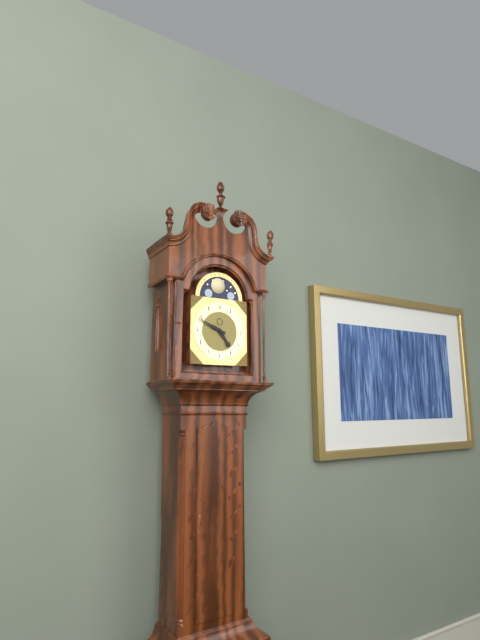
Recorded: 4,49
